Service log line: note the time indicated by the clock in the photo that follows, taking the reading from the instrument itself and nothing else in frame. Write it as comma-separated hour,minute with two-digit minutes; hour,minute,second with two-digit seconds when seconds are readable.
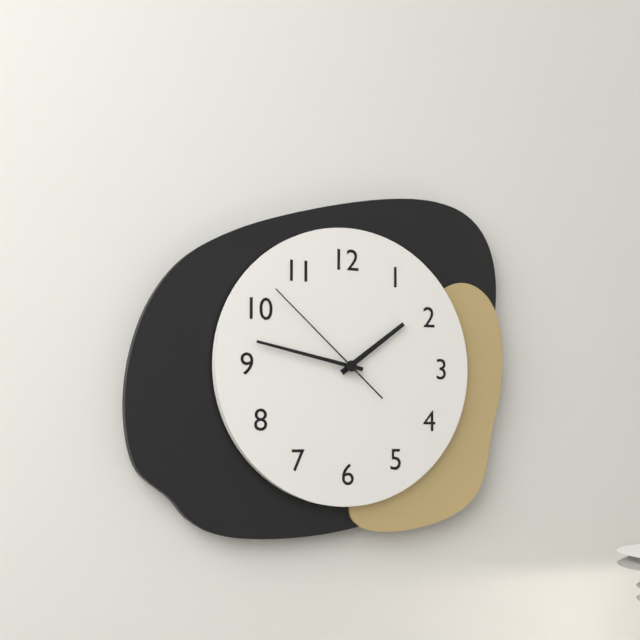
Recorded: 1,47,52
